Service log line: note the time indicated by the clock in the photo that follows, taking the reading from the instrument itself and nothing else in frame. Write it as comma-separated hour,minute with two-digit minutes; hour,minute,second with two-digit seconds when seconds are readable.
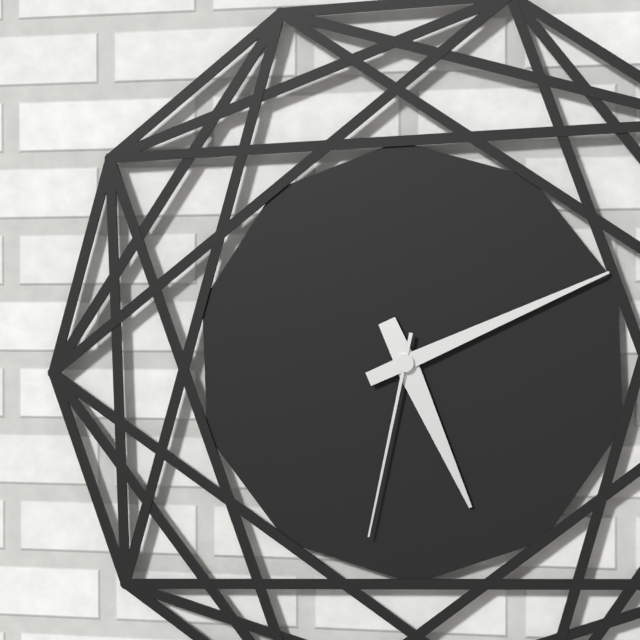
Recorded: 5,11,32
